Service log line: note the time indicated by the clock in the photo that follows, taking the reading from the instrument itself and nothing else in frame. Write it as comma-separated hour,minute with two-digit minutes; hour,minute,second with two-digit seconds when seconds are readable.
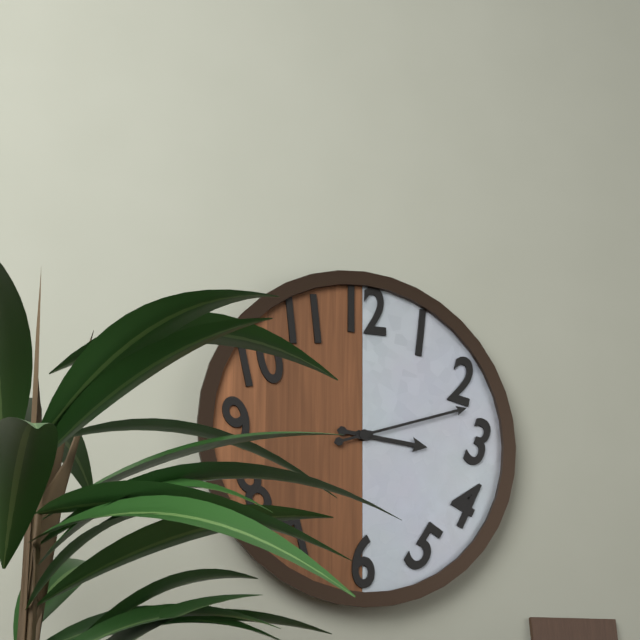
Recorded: 3,12
